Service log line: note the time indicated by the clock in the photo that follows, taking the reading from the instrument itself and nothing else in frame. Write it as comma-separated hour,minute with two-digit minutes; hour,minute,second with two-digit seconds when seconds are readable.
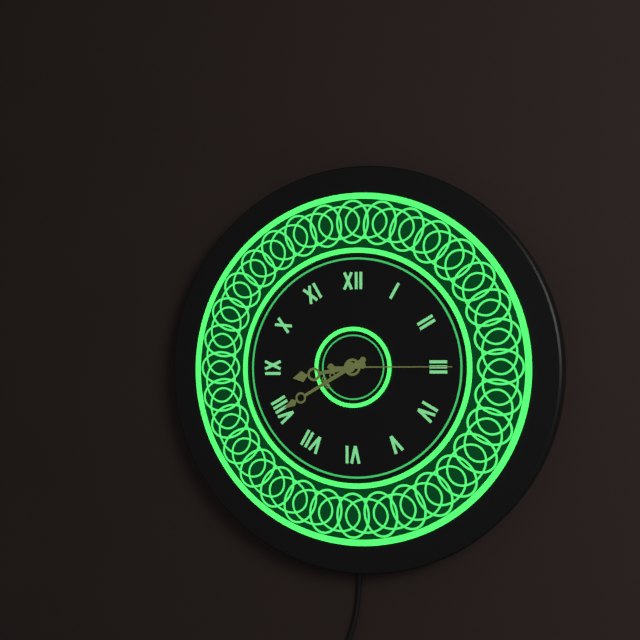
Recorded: 8,40,15
